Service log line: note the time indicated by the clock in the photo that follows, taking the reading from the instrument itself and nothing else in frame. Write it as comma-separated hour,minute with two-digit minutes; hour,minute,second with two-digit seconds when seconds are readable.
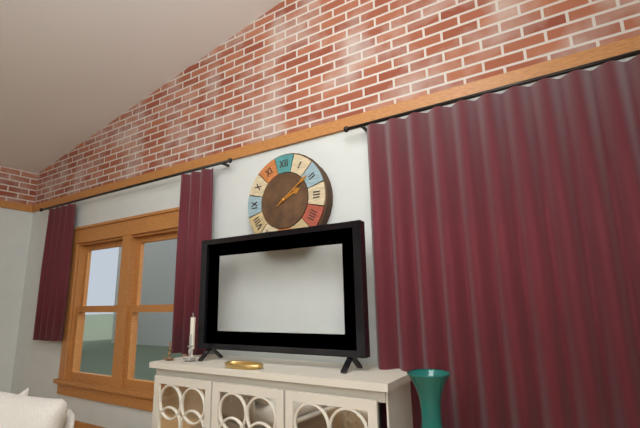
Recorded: 2,09
